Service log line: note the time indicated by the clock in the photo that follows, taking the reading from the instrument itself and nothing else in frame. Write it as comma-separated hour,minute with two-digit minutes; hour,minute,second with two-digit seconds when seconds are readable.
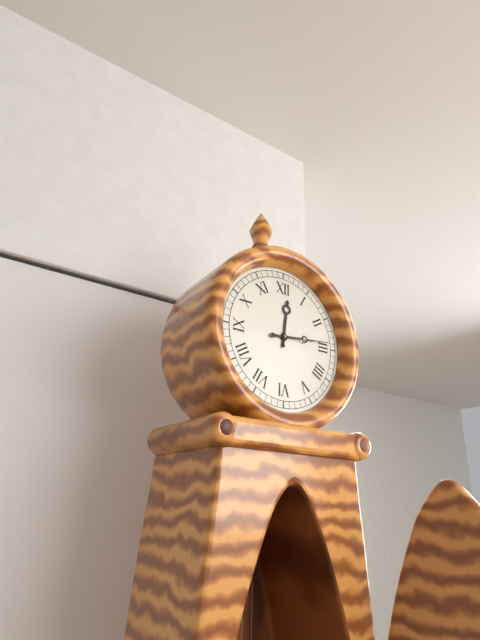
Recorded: 12,14
